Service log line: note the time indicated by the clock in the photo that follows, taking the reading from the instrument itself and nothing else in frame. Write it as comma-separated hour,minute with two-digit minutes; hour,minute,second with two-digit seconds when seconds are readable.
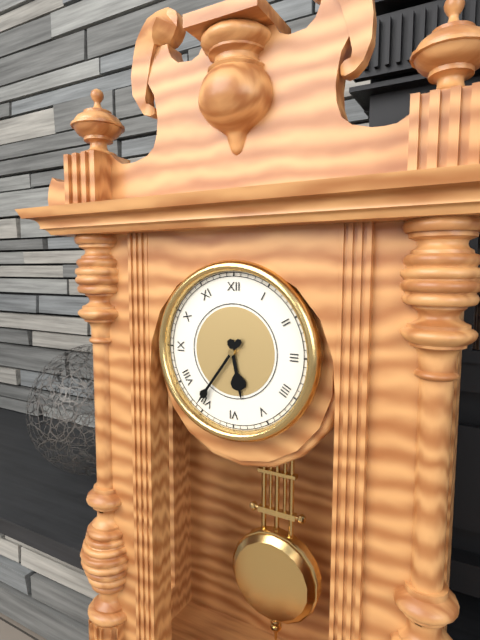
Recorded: 5,36
